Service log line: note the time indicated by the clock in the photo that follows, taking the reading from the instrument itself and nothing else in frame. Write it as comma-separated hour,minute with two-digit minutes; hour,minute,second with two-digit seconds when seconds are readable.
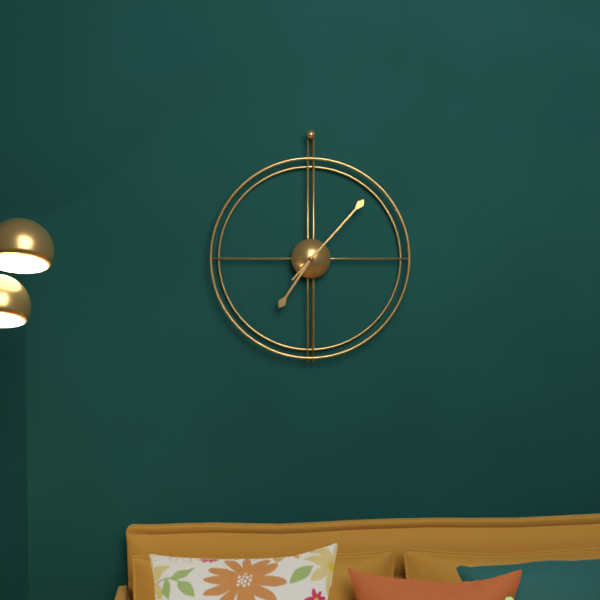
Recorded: 7,07
